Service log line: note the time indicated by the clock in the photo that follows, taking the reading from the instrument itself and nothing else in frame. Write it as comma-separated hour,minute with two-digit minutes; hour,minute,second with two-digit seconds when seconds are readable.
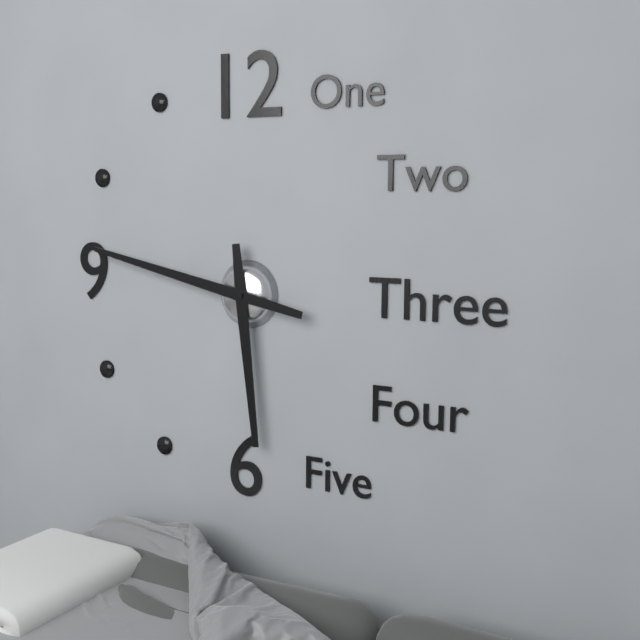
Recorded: 5,47
